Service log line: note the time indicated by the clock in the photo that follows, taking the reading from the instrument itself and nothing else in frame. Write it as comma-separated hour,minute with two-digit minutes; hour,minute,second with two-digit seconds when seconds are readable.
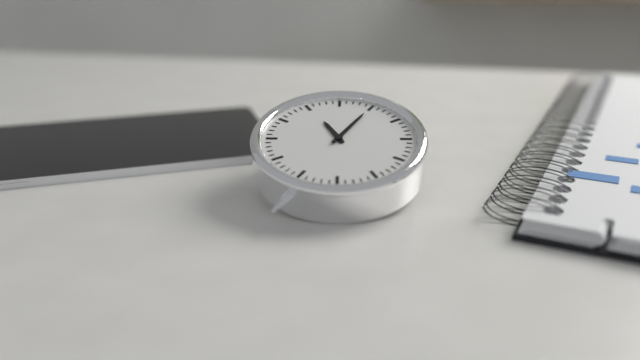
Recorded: 11,05
